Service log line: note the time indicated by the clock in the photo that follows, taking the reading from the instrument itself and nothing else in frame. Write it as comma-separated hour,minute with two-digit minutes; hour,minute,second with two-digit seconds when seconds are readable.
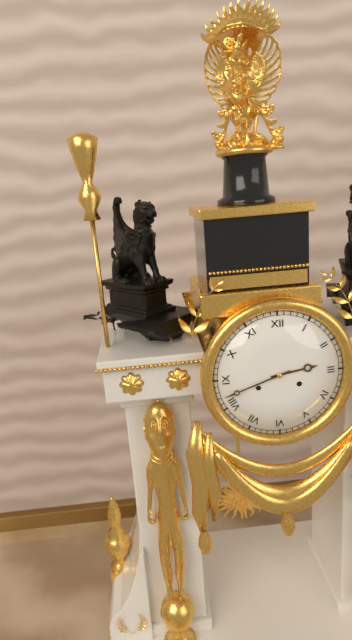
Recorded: 2,42
